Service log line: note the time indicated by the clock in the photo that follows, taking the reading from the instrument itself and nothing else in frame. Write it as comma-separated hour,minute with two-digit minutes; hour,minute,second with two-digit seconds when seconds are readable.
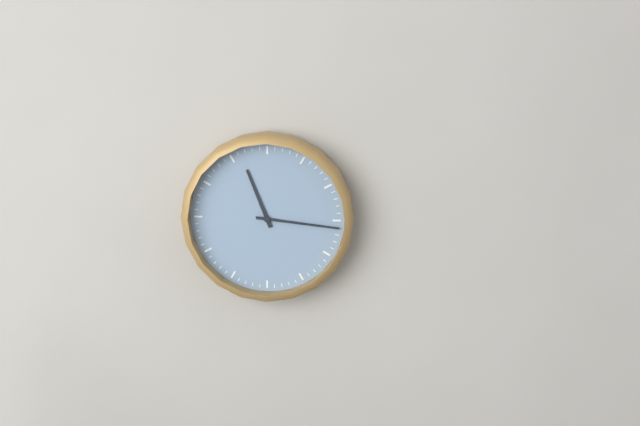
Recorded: 11,16
